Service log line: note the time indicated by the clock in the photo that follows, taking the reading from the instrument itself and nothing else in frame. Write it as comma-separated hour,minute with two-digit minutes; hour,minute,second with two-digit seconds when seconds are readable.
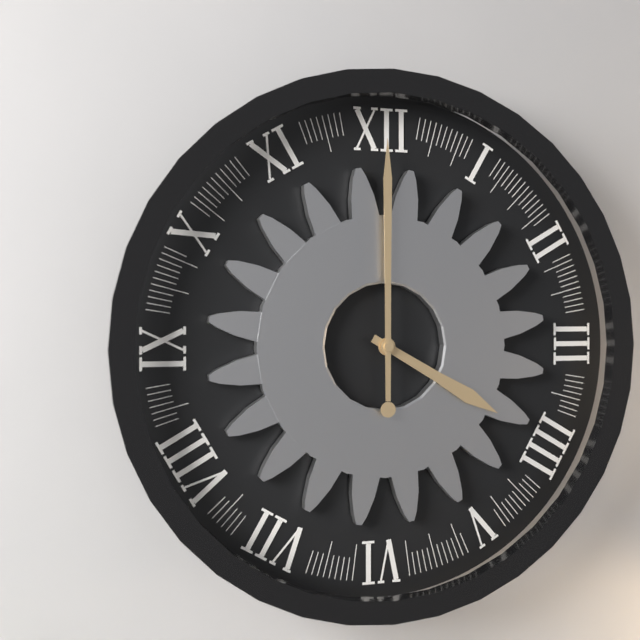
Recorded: 4,00
